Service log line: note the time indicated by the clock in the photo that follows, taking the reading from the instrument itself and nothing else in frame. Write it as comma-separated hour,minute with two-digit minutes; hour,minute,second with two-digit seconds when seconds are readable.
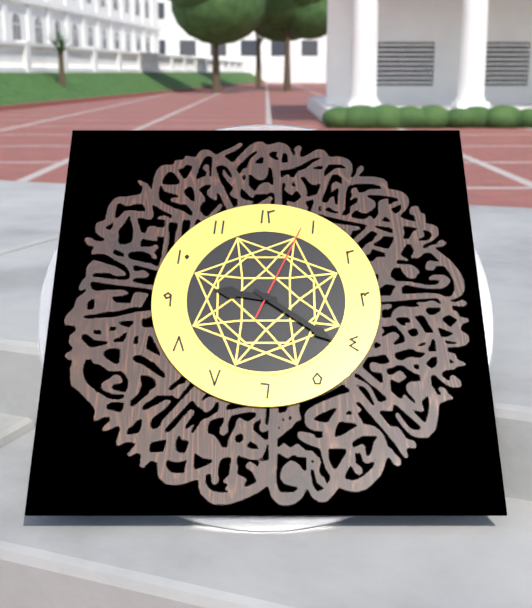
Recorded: 9,21,04
